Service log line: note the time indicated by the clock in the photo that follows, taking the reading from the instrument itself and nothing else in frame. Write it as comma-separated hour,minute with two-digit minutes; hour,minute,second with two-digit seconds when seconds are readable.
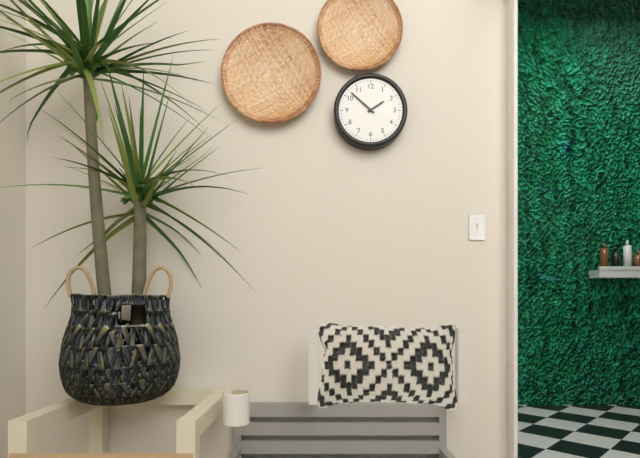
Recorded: 1,52
